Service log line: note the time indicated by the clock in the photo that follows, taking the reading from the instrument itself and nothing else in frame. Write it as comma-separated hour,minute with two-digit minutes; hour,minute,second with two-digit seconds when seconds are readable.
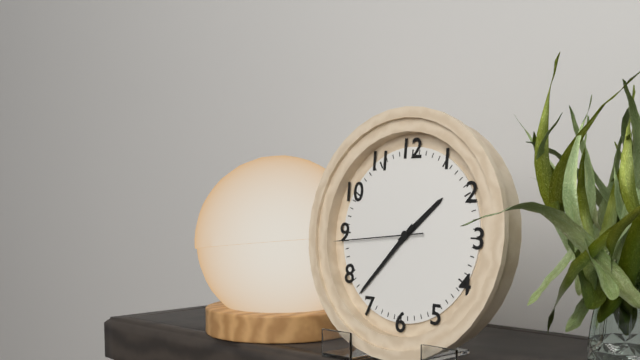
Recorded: 1,37,44
